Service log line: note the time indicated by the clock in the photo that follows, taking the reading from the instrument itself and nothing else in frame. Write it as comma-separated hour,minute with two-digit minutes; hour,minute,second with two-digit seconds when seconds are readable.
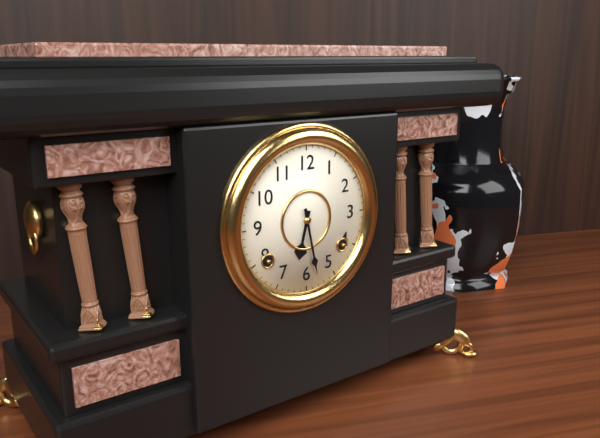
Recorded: 6,28
